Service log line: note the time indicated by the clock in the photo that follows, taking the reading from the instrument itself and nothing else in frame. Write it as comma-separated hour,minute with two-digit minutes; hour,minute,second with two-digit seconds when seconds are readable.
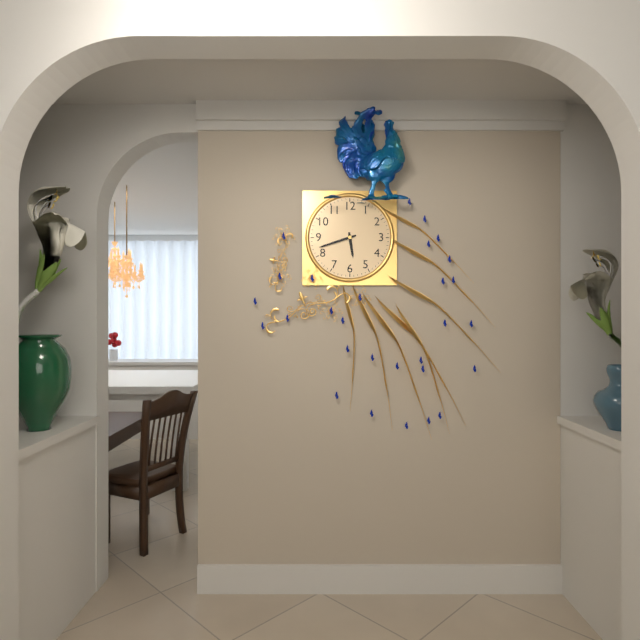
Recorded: 5,42
